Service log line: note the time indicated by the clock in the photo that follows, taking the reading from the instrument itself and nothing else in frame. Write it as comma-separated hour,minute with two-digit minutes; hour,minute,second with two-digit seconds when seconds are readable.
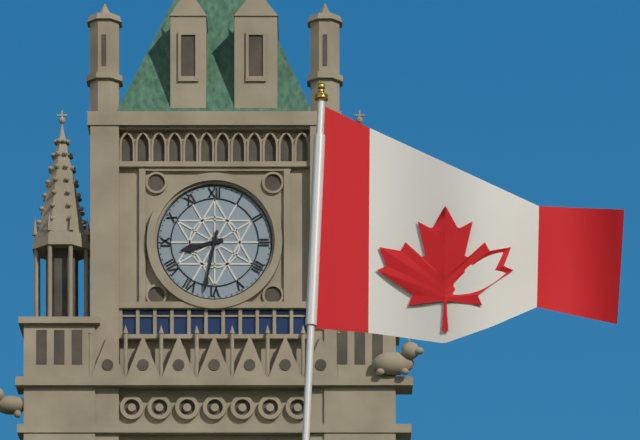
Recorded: 8,32
